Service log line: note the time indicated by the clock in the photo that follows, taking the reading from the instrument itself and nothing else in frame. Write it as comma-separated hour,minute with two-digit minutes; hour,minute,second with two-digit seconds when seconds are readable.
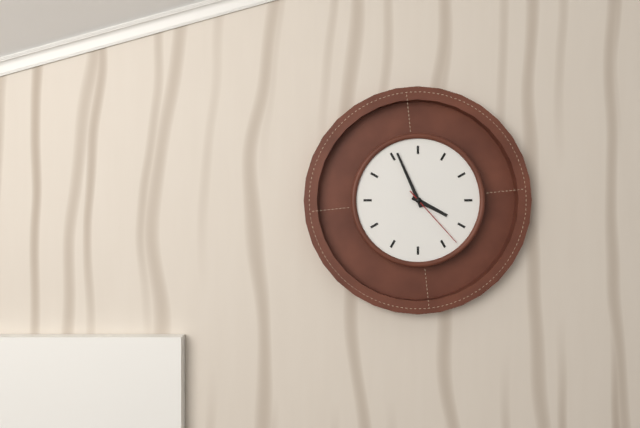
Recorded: 3,56,23
